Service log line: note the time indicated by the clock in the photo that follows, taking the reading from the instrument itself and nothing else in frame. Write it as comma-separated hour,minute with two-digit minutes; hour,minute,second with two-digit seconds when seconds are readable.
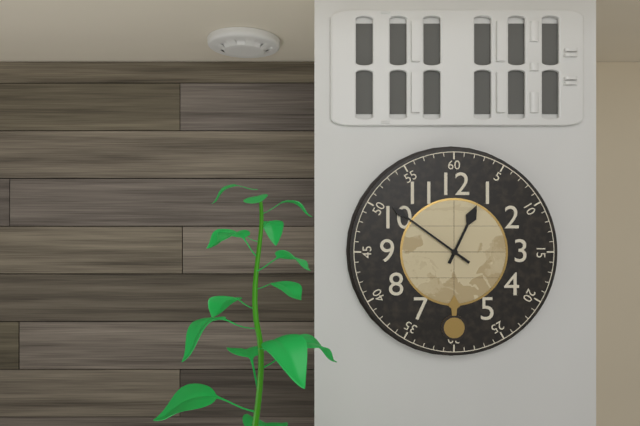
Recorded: 12,51
